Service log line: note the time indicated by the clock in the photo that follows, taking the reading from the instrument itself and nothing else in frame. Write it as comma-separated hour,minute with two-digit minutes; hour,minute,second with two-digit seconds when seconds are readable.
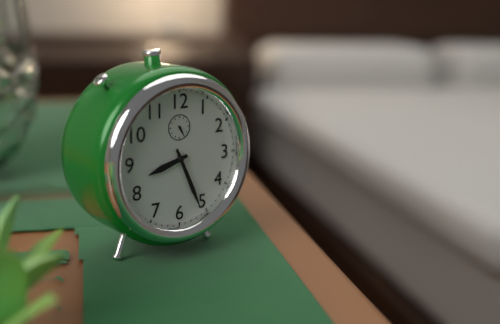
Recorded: 8,26
